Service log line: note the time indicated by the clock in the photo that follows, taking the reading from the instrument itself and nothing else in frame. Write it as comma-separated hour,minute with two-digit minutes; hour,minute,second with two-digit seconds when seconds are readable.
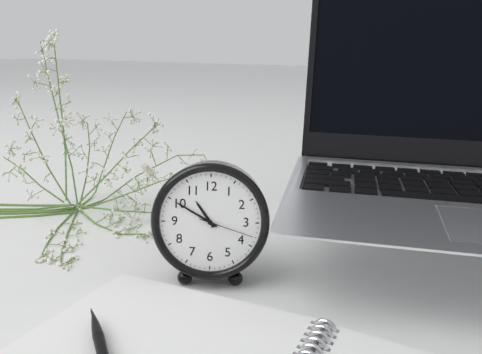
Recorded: 10,50,18
